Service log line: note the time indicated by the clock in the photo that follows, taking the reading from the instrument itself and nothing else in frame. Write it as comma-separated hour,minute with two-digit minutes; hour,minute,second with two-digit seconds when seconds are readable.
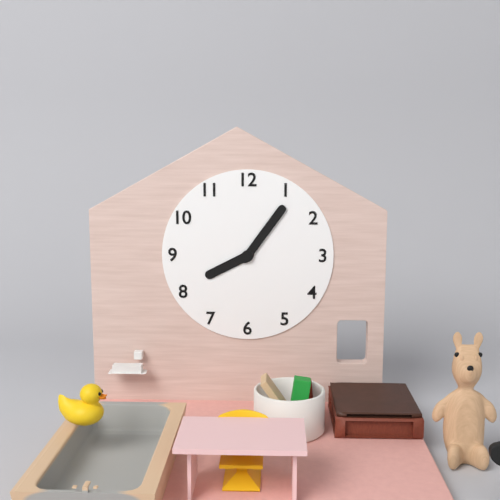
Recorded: 8,06
